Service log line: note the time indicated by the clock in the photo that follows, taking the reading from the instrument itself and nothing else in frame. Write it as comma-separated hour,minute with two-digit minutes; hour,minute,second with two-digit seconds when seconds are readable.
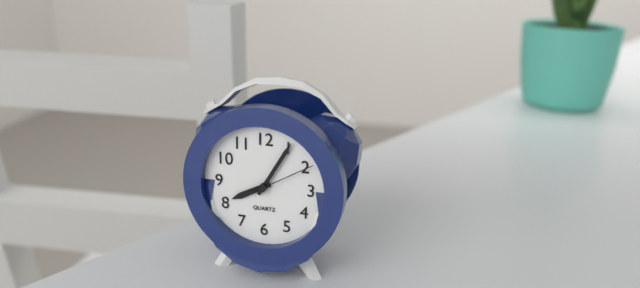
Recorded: 8,05,10
